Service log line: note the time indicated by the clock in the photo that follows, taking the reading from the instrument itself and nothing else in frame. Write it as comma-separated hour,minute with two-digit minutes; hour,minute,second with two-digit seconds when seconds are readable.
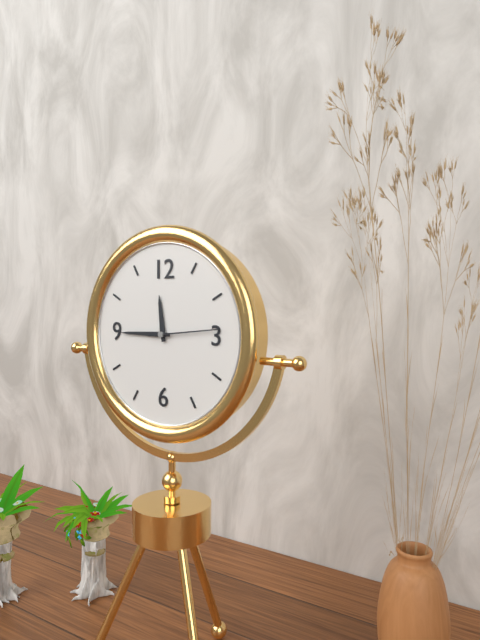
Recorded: 11,45,14
